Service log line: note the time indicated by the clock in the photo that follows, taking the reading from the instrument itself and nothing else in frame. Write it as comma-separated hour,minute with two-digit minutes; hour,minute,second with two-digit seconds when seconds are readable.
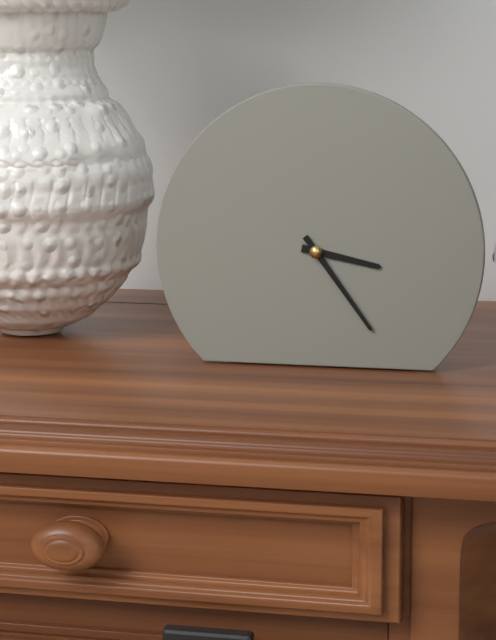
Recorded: 3,24
